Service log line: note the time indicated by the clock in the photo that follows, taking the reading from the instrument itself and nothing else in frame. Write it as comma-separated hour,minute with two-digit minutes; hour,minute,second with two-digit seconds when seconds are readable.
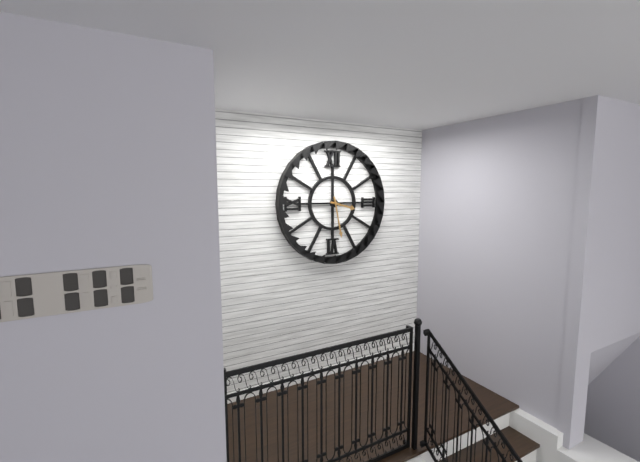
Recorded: 3,28
